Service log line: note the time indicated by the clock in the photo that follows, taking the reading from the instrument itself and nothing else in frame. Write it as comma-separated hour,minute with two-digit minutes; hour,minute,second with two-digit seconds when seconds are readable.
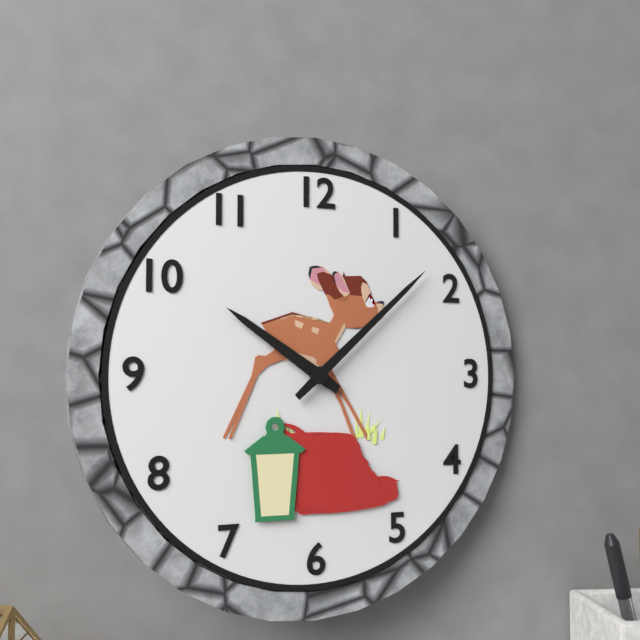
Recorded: 10,08
